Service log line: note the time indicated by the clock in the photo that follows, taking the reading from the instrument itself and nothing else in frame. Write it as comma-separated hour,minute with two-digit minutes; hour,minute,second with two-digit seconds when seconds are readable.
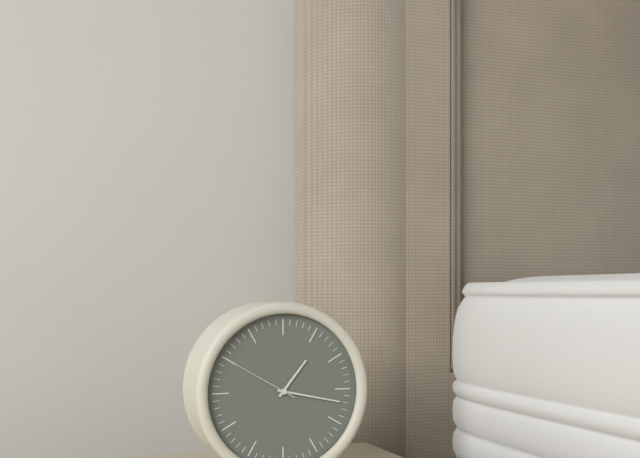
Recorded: 1,17,50
